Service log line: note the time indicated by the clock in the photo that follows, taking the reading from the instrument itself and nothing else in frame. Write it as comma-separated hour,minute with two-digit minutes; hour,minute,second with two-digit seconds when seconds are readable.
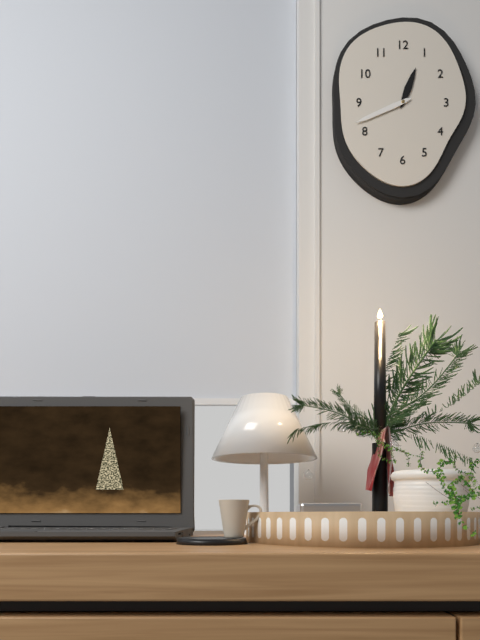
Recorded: 12,41
